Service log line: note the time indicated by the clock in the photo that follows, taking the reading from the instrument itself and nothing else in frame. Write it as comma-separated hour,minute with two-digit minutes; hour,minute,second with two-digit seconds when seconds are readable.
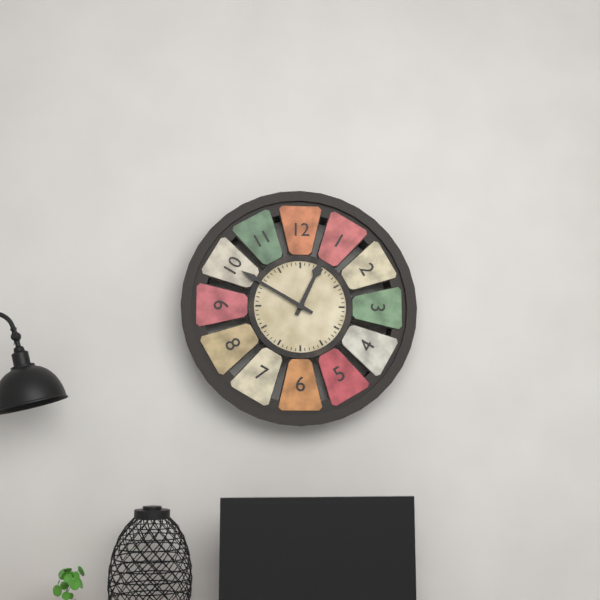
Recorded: 12,50
